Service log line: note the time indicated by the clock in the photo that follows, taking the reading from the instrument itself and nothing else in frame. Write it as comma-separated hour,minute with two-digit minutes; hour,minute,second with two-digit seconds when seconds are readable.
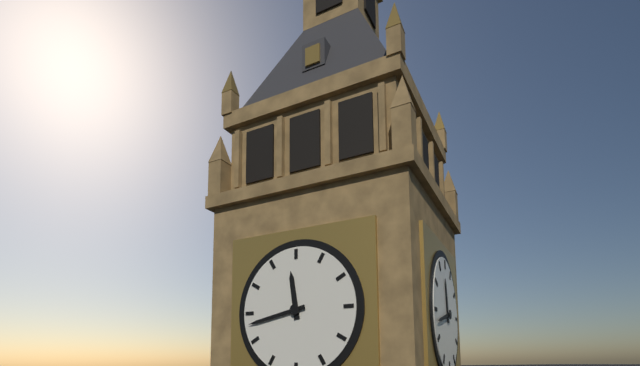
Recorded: 11,43
